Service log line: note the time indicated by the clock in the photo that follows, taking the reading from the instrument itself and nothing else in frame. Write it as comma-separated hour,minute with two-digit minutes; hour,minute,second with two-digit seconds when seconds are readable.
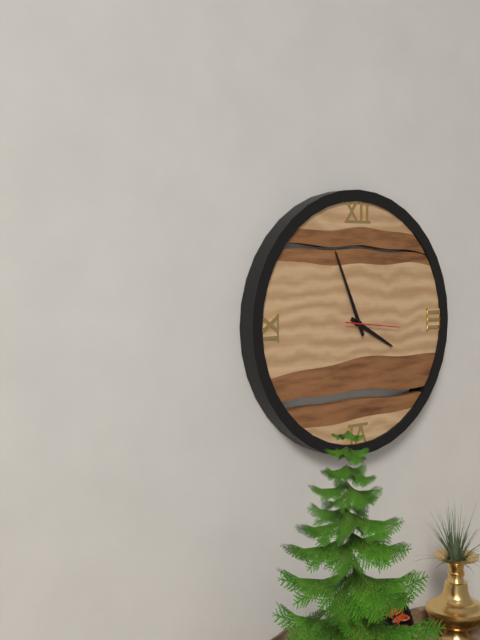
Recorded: 3,56,16
